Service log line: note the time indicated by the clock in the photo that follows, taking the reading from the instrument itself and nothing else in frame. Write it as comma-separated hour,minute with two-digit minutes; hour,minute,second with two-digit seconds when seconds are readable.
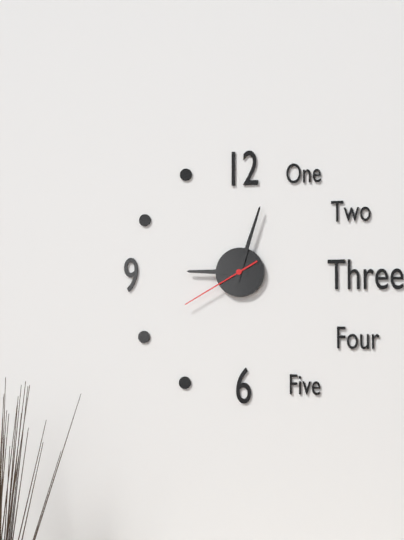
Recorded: 9,03,40
